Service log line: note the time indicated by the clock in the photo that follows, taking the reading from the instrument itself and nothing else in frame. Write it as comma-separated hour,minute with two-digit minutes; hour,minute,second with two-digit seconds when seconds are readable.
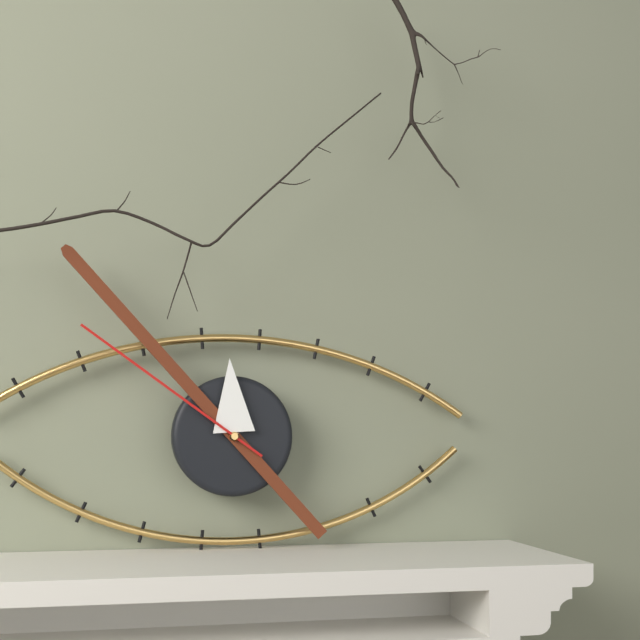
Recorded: 11,53,51
